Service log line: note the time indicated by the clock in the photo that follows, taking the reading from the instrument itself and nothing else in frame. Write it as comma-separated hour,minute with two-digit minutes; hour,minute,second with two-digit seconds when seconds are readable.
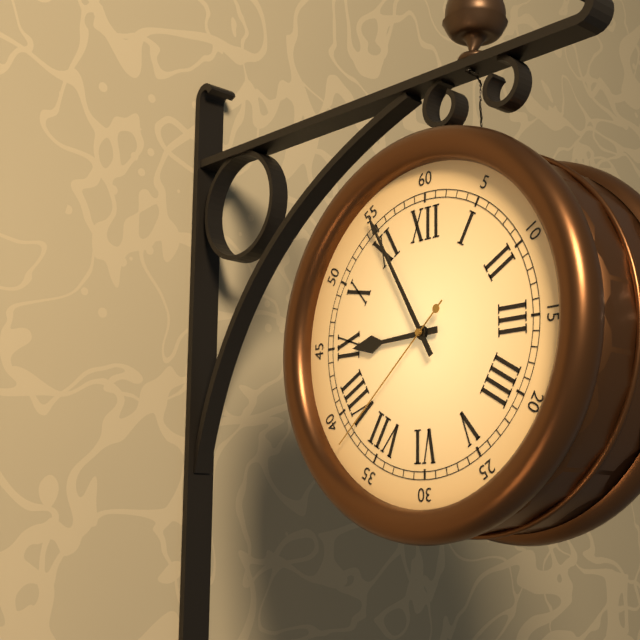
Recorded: 8,55,38
